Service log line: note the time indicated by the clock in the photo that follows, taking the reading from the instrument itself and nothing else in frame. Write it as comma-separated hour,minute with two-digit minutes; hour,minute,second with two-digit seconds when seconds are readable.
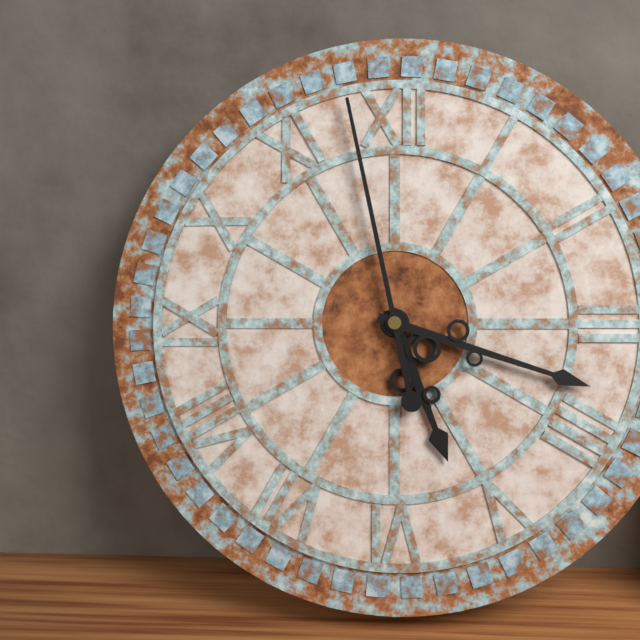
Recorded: 5,18,58
